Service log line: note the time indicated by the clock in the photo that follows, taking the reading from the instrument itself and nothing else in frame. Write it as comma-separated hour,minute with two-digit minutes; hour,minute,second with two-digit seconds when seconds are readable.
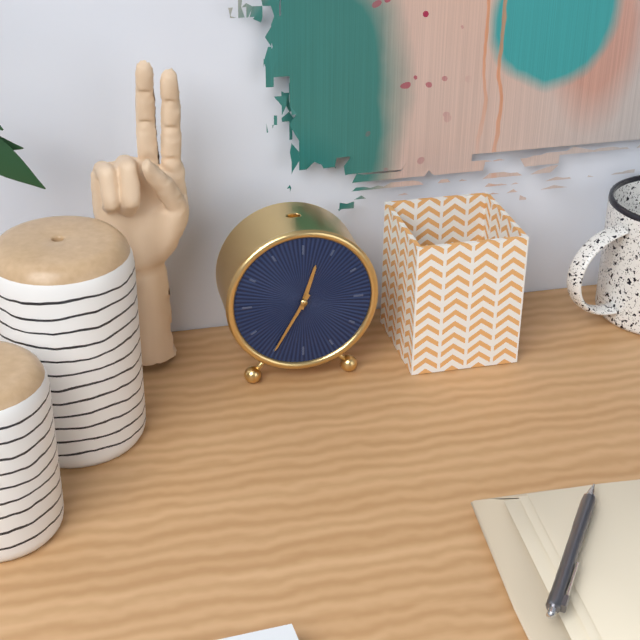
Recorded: 12,35
